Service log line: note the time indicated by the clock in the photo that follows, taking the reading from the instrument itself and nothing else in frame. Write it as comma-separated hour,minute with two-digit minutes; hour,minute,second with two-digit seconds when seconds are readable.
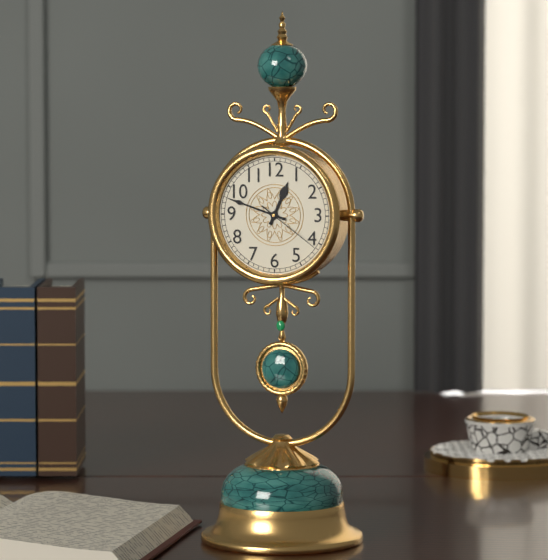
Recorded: 12,48,21
